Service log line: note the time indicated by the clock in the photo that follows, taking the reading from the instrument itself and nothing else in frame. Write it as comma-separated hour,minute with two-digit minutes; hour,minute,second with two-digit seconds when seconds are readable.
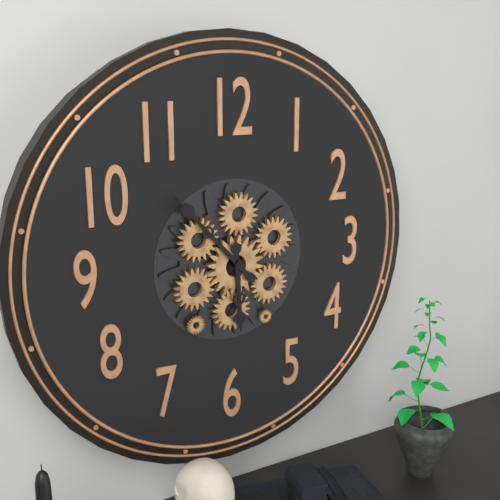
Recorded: 5,53
